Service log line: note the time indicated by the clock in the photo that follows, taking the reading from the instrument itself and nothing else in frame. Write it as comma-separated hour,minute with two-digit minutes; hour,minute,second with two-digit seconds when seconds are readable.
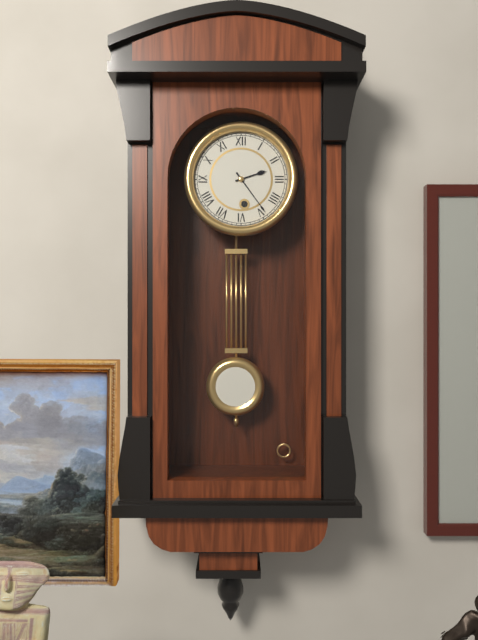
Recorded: 2,24
